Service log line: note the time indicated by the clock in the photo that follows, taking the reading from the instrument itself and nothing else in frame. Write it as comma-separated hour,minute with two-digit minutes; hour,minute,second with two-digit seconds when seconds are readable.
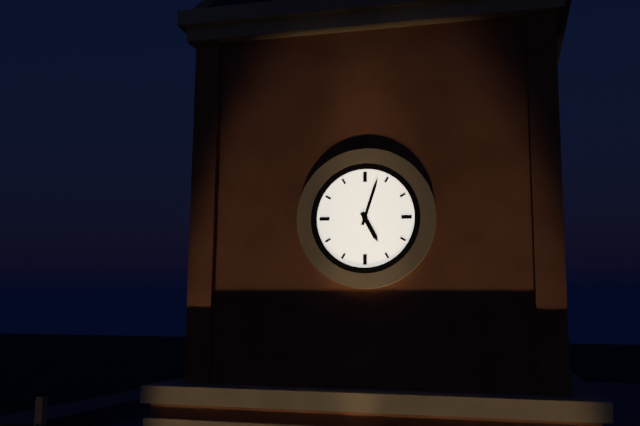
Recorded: 5,03
